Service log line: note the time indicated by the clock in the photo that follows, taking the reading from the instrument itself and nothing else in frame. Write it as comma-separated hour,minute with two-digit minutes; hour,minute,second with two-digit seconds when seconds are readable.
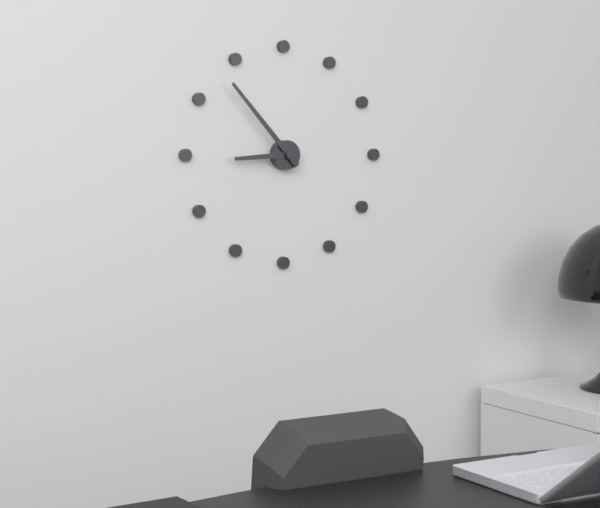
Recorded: 8,53
